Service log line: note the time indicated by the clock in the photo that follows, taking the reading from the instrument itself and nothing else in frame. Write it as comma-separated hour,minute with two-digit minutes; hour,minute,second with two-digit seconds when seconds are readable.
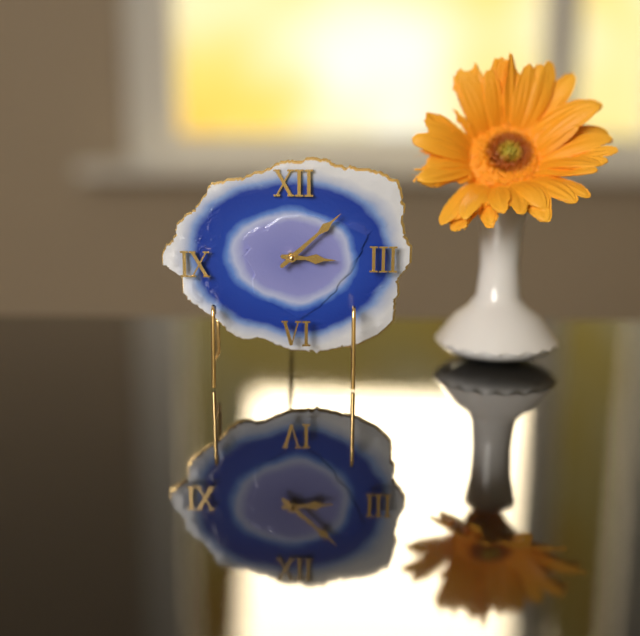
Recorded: 3,08
